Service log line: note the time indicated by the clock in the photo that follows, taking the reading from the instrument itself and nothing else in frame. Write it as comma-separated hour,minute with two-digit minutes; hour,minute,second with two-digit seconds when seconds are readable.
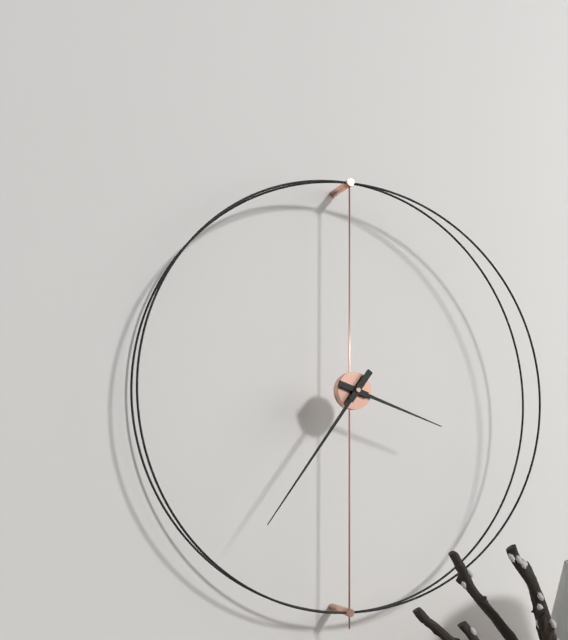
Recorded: 3,36
